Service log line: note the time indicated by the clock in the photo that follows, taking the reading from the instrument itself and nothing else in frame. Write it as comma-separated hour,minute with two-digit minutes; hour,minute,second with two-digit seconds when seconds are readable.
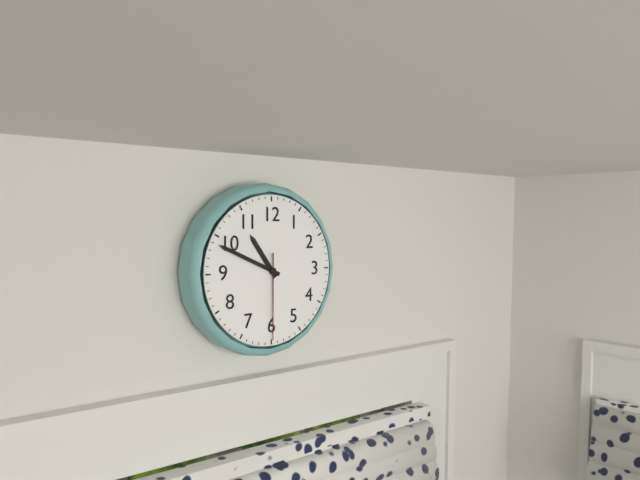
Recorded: 10,49,30
